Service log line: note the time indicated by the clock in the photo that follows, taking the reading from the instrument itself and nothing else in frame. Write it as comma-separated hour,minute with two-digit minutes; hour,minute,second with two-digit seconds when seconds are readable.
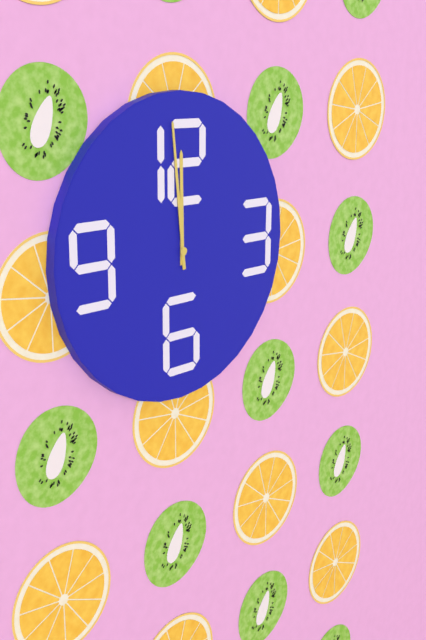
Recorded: 11,59
